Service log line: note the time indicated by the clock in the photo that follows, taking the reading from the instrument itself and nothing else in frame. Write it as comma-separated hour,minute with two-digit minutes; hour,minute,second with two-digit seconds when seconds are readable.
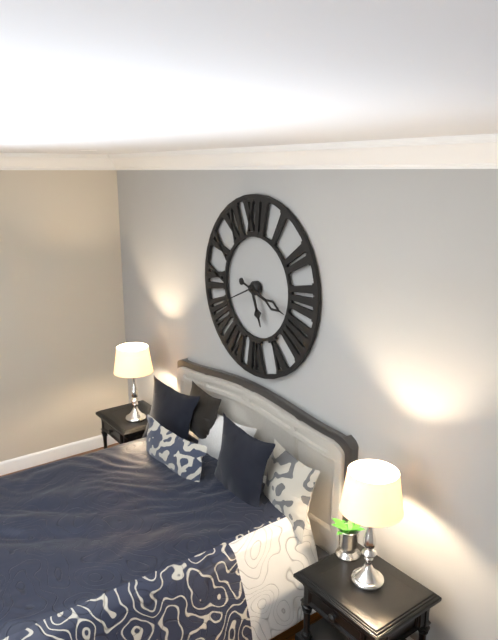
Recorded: 5,18
